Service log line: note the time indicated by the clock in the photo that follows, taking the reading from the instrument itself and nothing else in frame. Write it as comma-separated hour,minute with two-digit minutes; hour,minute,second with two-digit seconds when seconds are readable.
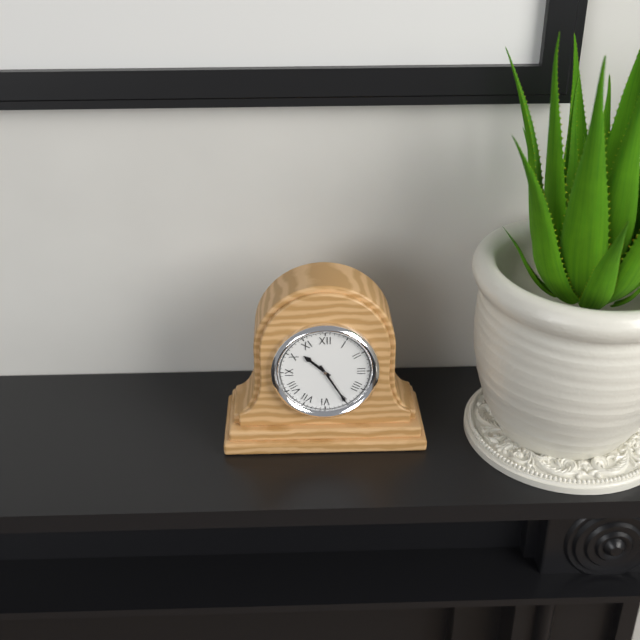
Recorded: 10,25
